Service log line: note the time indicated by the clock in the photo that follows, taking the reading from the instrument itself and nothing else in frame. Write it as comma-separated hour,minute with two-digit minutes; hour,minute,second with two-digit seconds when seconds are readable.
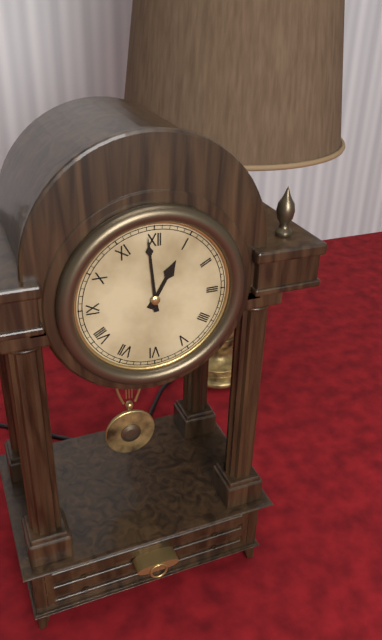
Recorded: 12,59
